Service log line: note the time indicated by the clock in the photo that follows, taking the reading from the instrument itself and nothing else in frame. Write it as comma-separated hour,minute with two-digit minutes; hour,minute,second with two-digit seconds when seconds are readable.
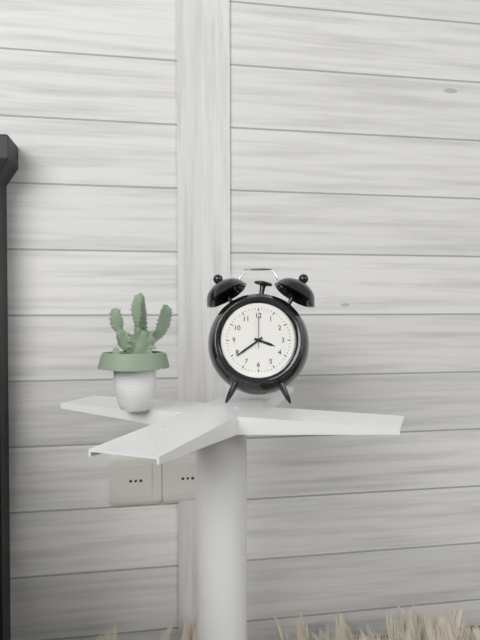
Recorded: 3,39
